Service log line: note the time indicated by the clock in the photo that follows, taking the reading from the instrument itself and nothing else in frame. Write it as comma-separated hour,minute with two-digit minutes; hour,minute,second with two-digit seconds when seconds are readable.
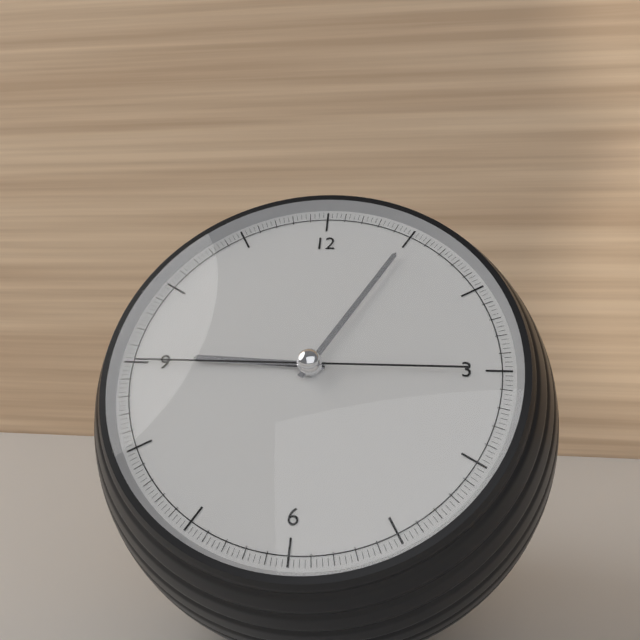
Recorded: 9,05,45
